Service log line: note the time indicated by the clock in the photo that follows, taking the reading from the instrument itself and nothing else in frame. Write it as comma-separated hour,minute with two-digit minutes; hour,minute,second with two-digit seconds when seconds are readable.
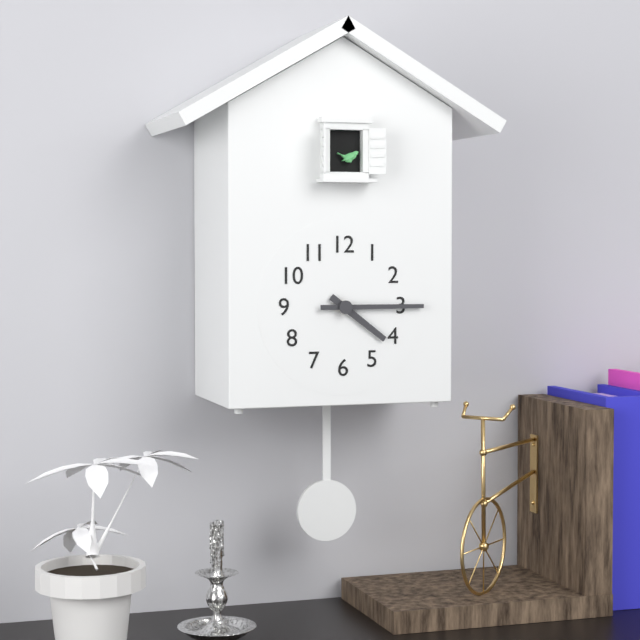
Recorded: 4,15
